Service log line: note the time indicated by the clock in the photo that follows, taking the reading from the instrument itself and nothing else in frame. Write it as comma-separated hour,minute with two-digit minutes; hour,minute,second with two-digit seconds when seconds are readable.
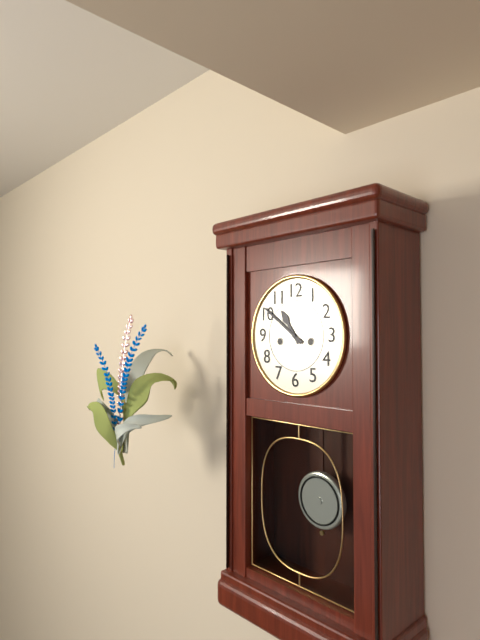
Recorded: 10,51
